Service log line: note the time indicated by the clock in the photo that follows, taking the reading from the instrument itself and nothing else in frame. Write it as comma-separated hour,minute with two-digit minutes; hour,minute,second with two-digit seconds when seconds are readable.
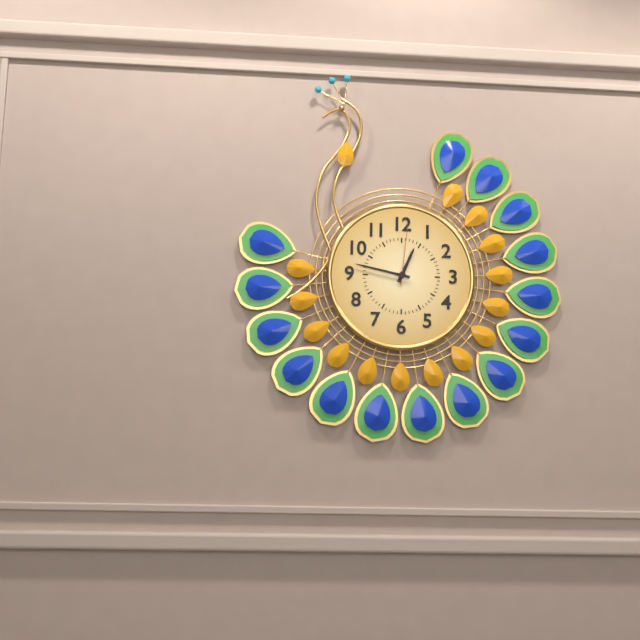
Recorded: 12,47,01
